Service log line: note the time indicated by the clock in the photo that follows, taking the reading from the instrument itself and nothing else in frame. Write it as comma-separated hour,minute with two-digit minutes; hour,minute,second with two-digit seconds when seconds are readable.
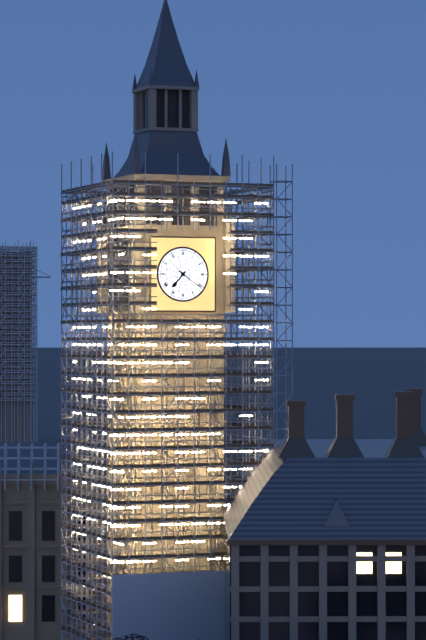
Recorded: 7,21
